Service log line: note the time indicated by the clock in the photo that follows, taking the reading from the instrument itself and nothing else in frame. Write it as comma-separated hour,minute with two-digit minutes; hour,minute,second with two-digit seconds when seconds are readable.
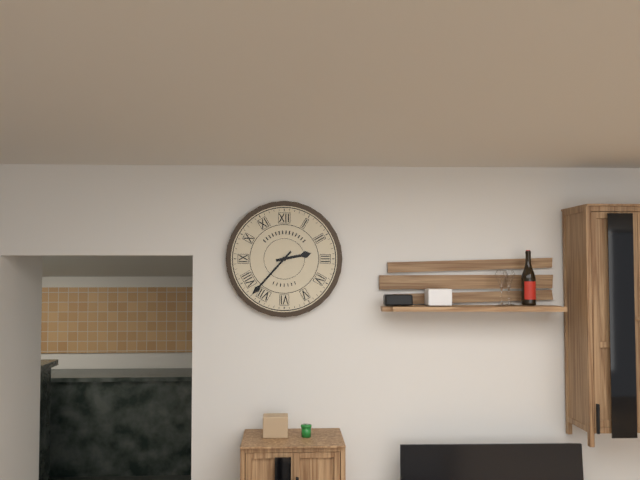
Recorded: 2,37
